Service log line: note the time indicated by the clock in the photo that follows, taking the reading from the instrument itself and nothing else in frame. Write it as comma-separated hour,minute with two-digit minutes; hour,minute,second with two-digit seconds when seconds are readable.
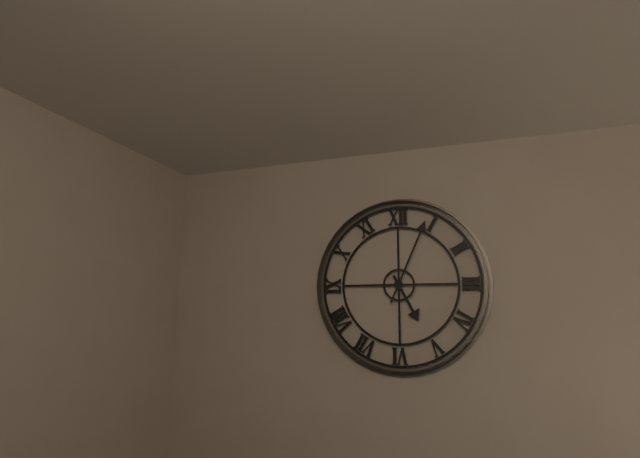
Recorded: 5,04
